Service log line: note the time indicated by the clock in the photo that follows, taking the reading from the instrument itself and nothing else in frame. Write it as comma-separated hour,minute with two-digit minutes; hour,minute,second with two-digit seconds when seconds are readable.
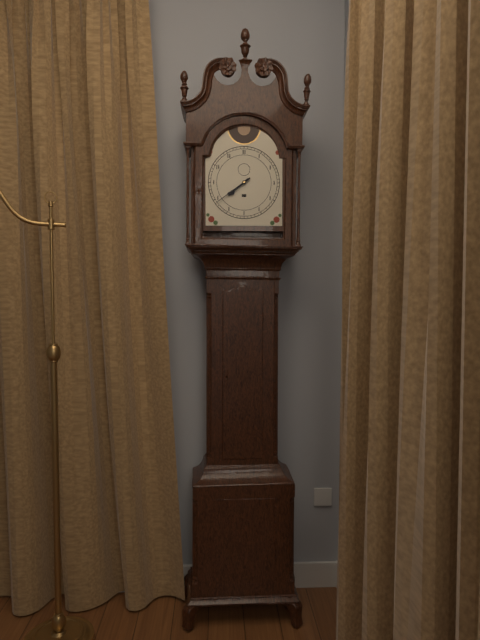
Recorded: 7,39
